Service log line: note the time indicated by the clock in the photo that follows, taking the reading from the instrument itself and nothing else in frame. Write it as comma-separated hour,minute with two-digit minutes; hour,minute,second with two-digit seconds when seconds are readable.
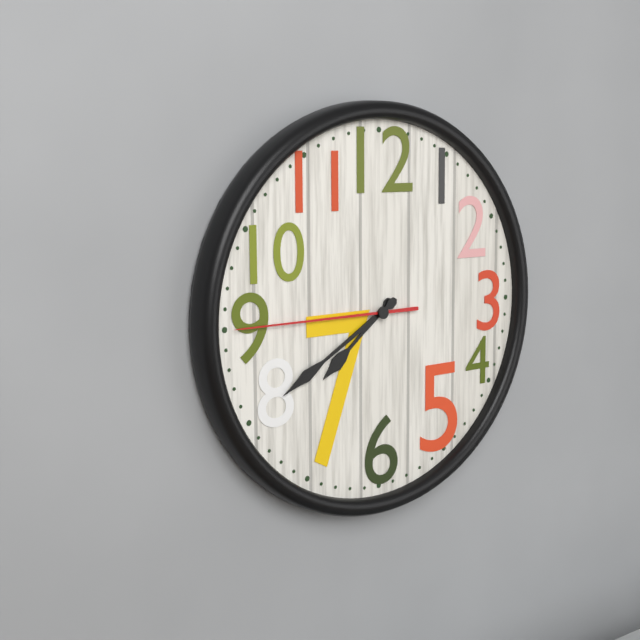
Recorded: 7,40,45
